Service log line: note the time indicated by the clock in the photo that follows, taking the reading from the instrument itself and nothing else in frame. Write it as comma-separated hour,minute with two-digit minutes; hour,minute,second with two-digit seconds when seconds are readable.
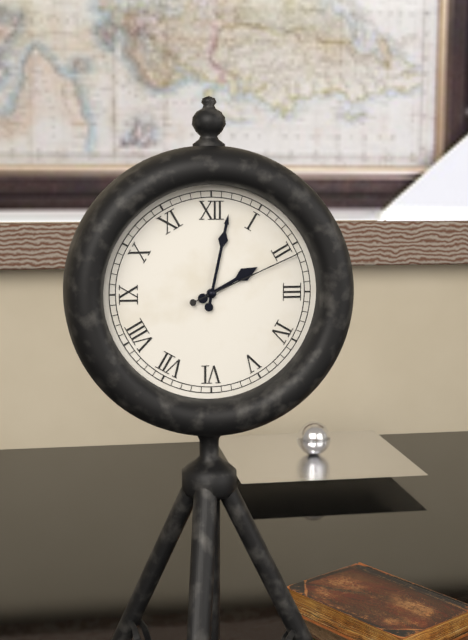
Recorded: 2,02,11
